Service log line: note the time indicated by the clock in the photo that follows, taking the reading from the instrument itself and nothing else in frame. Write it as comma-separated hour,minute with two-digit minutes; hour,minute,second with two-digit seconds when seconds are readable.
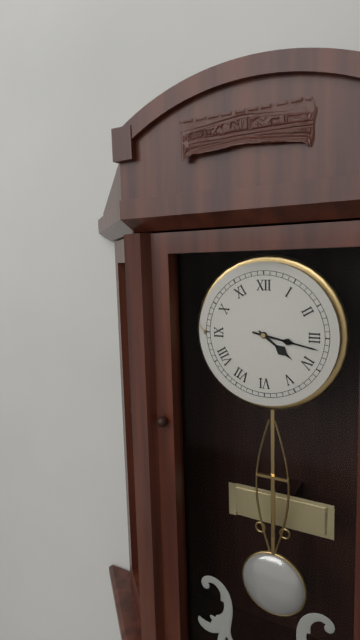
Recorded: 4,17
